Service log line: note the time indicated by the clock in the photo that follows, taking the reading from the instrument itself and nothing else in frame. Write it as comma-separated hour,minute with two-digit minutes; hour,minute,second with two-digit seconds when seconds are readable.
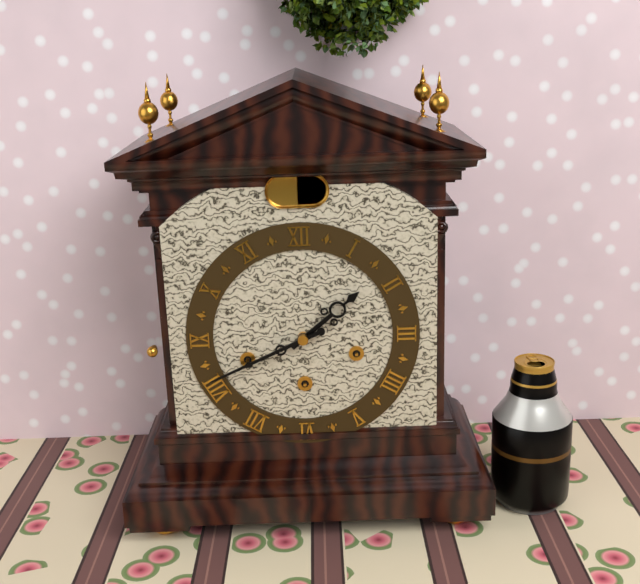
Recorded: 1,41
